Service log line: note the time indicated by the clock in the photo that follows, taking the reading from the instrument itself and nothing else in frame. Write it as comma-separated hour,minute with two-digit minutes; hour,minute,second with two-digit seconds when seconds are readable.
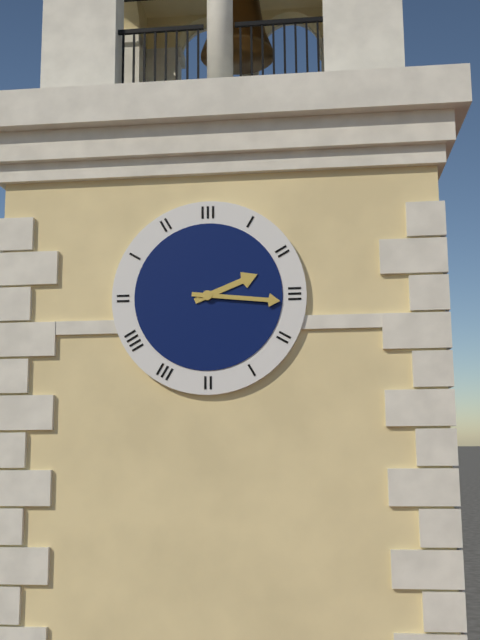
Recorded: 2,16
